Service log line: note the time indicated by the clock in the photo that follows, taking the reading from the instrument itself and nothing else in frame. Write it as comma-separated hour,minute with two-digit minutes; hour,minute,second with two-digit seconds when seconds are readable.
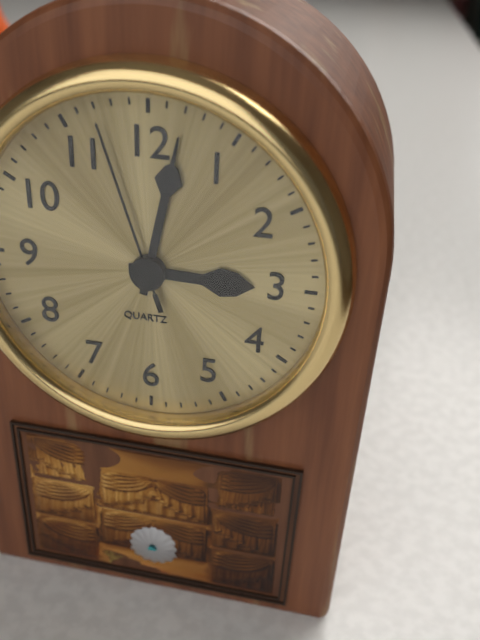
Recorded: 3,02,57
